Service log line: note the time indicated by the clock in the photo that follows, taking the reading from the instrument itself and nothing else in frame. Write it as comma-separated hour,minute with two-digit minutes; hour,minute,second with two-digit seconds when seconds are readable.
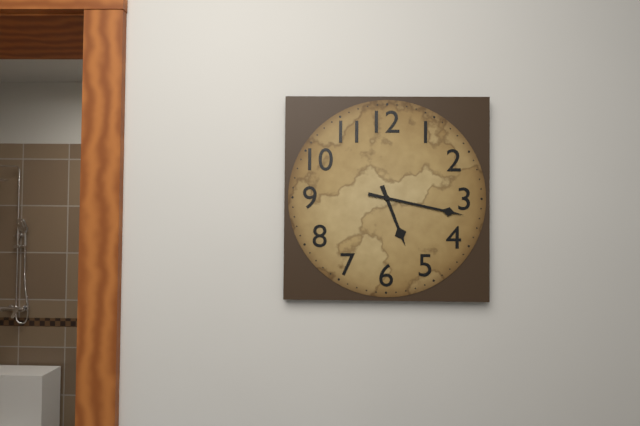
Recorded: 5,17
